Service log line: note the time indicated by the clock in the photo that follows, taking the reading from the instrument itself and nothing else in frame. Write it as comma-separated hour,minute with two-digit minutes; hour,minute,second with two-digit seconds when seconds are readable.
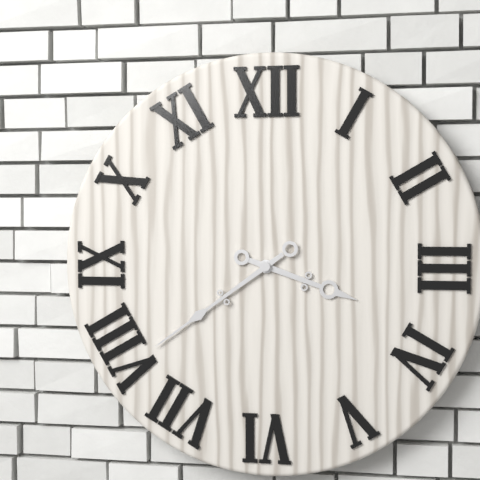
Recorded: 3,39
